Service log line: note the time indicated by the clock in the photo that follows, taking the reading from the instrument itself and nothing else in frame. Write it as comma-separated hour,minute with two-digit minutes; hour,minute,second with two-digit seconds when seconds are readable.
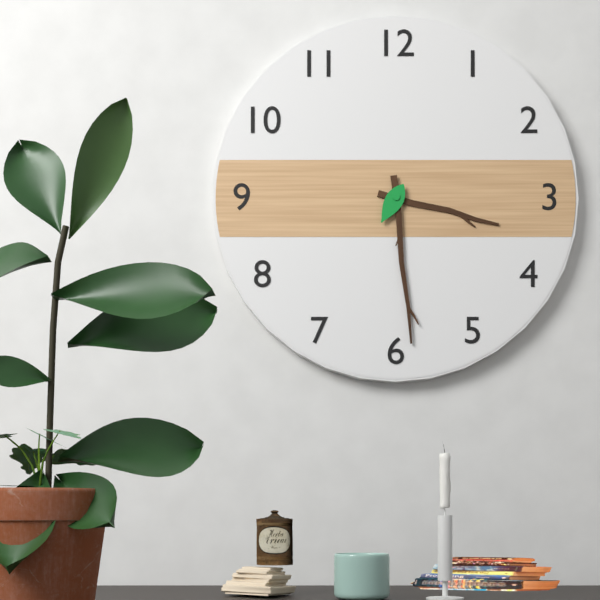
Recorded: 3,29
